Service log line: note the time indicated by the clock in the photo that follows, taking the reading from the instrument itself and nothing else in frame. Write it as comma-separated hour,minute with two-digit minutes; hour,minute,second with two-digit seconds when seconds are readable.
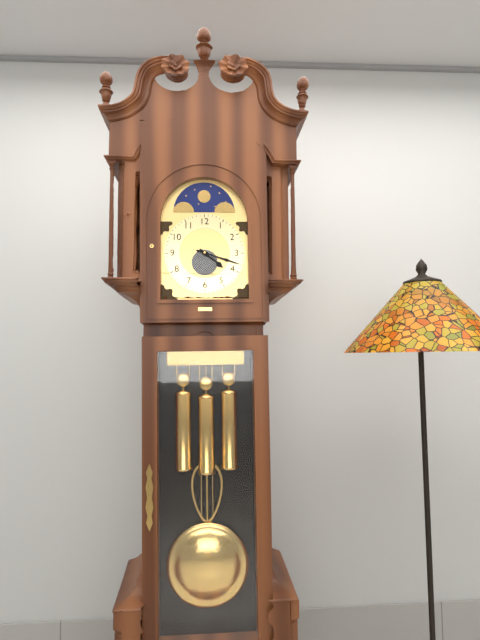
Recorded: 4,18
